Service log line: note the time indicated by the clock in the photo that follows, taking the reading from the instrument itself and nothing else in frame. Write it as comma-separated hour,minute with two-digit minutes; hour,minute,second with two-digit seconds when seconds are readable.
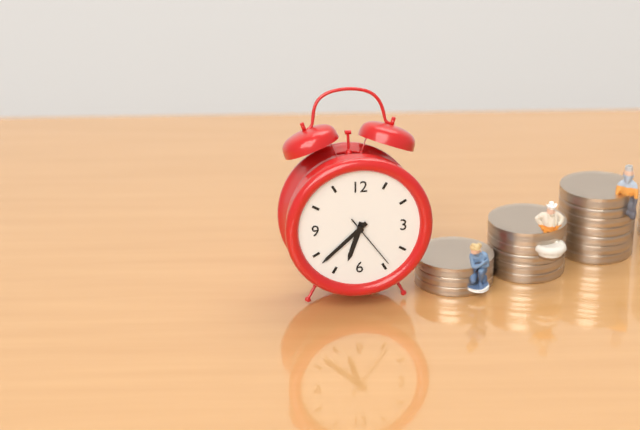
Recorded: 6,38,24
